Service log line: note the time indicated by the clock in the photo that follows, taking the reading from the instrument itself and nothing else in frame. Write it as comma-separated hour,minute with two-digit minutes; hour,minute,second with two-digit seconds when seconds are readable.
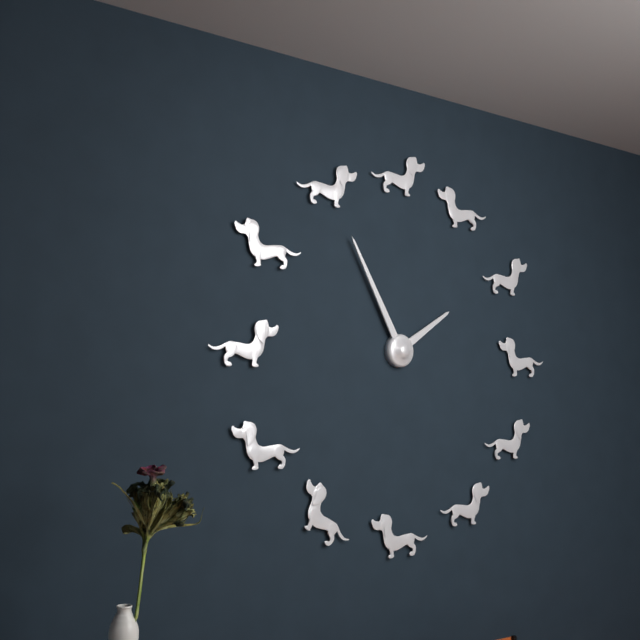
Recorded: 1,55
